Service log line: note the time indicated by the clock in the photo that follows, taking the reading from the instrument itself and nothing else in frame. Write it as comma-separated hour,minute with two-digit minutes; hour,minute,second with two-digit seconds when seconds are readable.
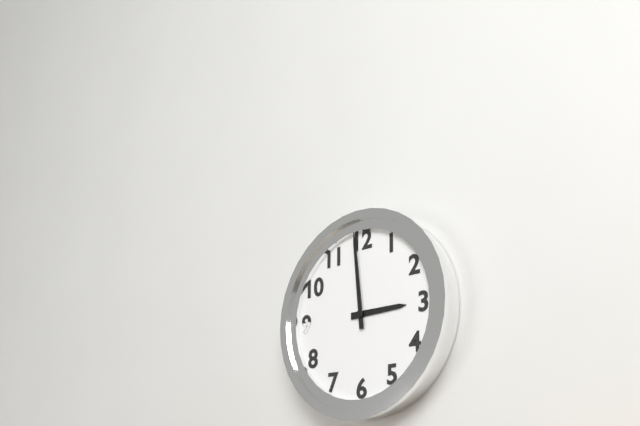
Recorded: 2,59
